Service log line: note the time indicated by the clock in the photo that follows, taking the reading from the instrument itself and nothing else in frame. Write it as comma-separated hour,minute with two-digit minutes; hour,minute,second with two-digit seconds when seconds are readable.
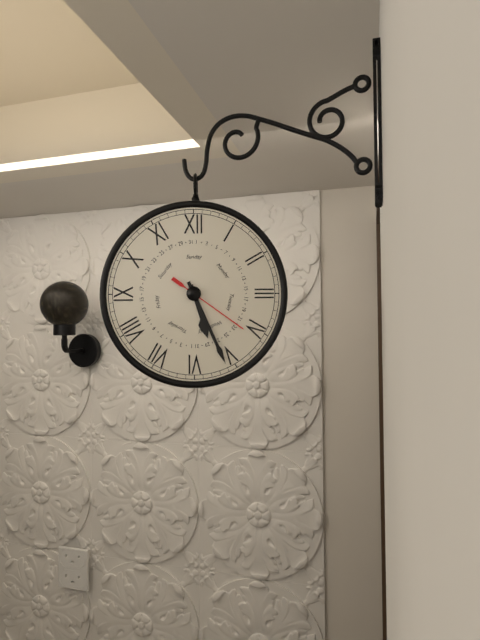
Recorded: 5,26,21
